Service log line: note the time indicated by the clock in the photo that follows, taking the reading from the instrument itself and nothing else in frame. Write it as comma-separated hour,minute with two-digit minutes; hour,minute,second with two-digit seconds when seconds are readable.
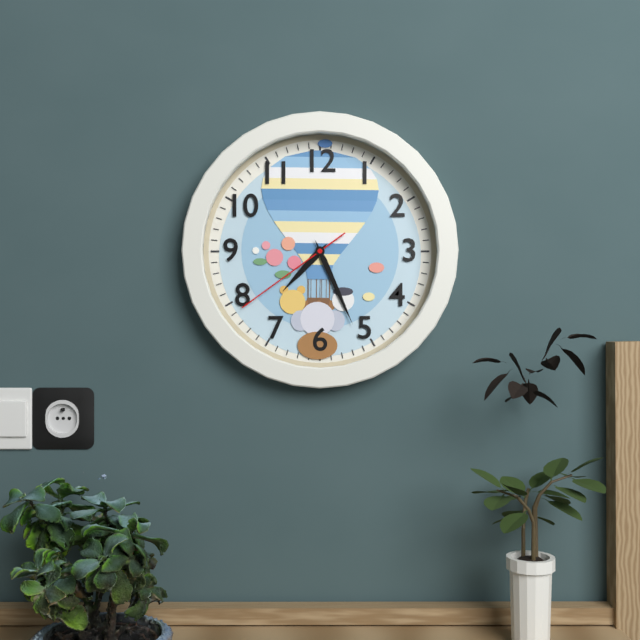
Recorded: 7,26,39
